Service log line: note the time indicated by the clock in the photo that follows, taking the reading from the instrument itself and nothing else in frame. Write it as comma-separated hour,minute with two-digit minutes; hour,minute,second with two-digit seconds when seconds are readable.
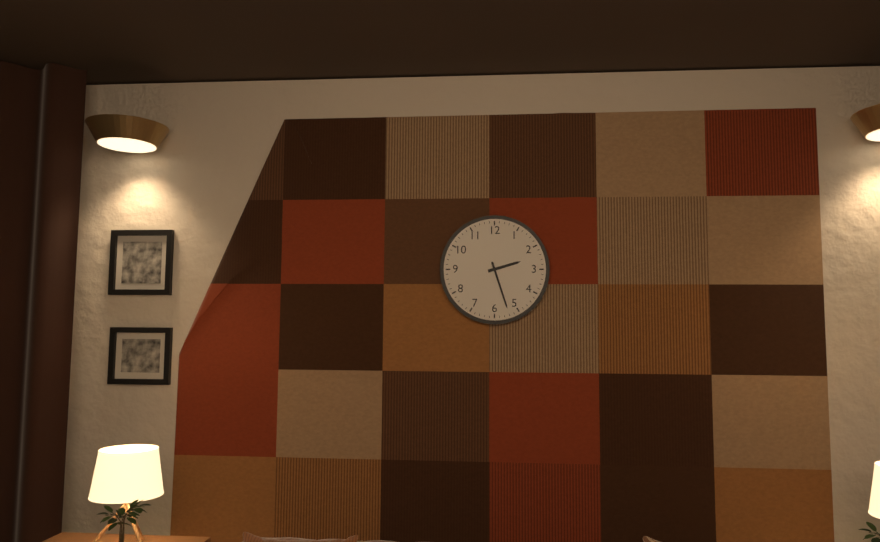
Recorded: 2,27
